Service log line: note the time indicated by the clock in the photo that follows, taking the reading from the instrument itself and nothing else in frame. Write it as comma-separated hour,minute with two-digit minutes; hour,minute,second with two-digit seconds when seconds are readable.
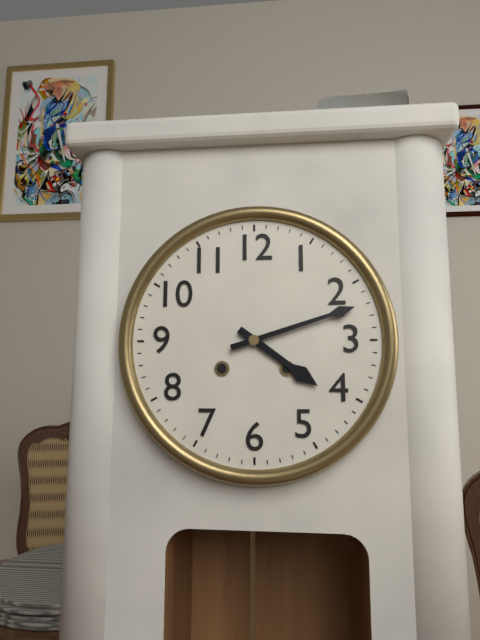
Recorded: 4,12
